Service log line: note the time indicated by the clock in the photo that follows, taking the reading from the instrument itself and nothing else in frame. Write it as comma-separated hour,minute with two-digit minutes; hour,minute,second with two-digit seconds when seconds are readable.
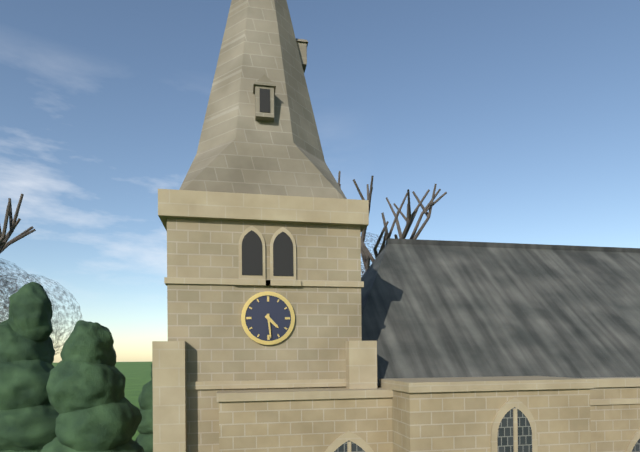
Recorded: 4,29
